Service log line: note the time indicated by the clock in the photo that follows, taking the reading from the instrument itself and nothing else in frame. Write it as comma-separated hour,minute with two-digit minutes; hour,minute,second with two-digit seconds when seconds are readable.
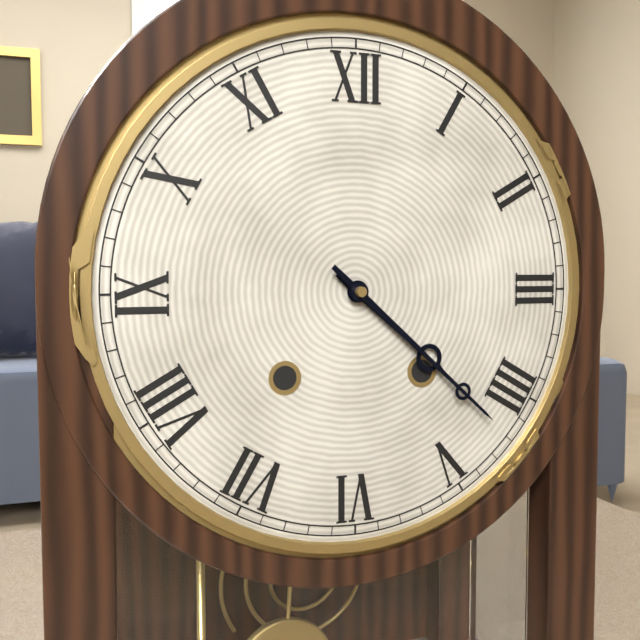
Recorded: 4,22
